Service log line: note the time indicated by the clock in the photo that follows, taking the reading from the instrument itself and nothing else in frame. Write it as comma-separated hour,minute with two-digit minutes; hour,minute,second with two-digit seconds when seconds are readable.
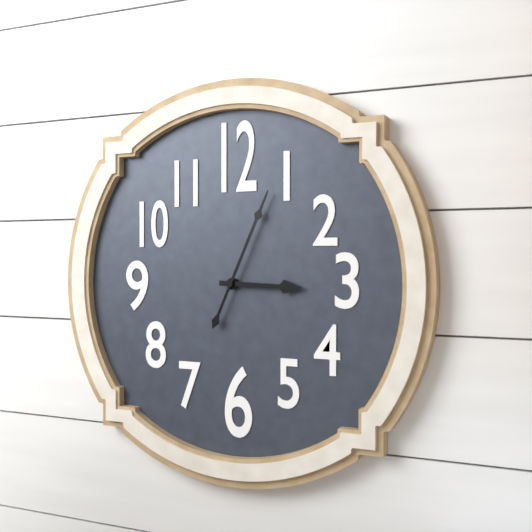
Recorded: 3,04
